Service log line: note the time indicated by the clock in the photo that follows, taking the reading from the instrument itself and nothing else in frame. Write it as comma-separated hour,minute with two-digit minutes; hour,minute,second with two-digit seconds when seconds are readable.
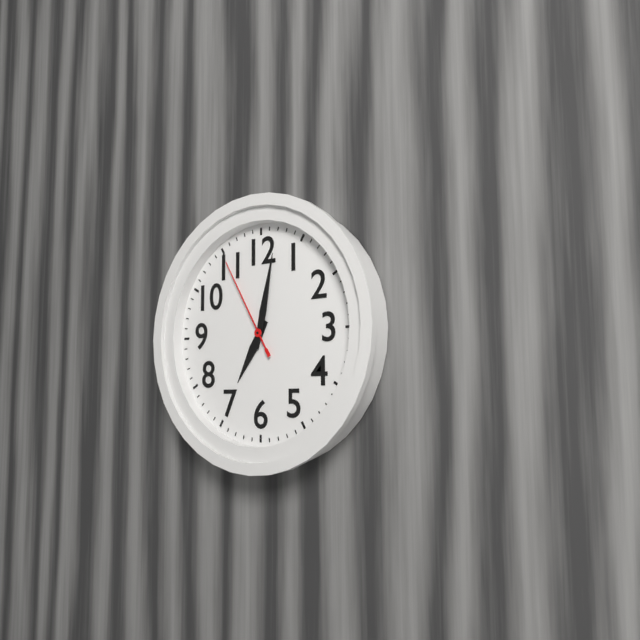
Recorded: 7,02,55
